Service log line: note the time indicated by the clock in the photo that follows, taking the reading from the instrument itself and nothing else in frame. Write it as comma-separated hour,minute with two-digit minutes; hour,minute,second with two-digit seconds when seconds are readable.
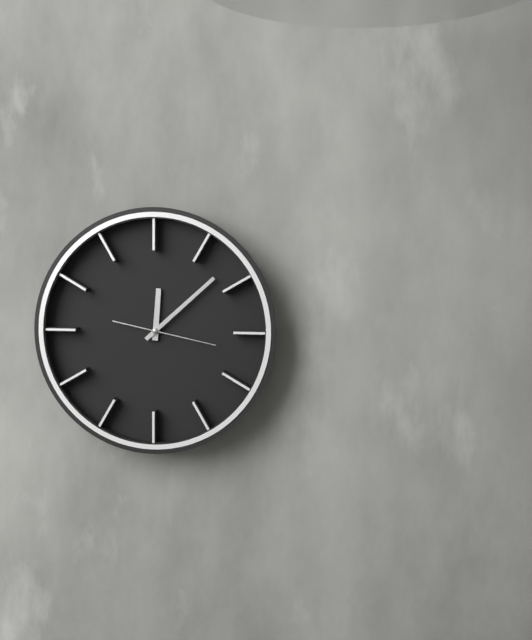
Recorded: 12,08,17
